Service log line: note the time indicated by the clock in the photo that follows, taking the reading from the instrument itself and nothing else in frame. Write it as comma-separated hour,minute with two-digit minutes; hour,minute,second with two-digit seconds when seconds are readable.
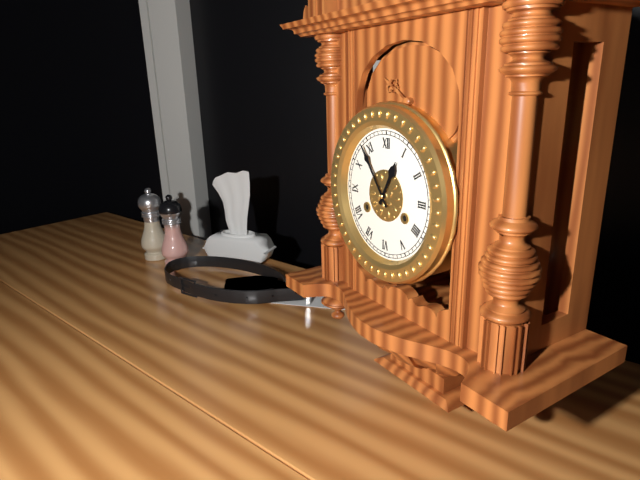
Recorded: 12,54
